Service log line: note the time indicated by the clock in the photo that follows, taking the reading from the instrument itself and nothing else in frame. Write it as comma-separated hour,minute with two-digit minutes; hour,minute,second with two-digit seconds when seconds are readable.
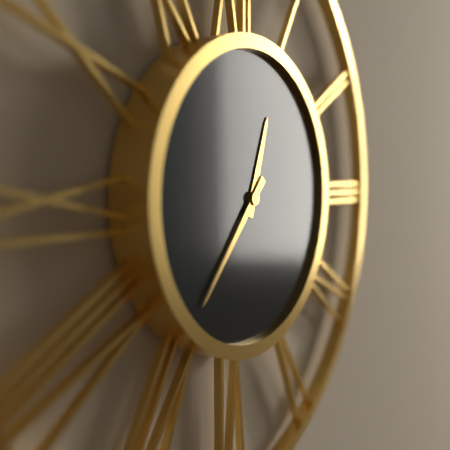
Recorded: 12,37
